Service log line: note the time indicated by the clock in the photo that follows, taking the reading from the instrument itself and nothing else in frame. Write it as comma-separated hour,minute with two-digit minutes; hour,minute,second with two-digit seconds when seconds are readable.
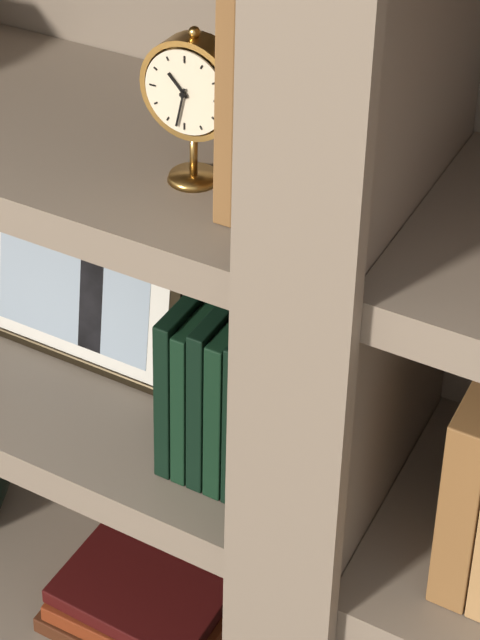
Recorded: 10,32
